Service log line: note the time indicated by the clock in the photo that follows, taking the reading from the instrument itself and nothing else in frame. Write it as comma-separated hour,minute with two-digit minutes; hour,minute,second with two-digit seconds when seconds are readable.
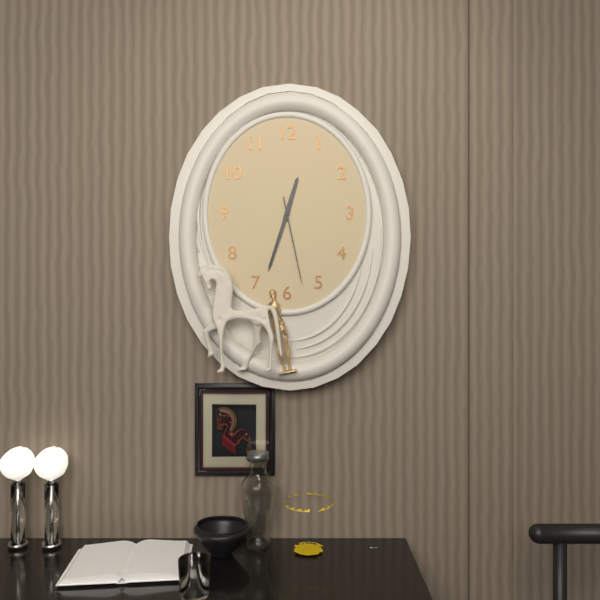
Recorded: 12,33,28
